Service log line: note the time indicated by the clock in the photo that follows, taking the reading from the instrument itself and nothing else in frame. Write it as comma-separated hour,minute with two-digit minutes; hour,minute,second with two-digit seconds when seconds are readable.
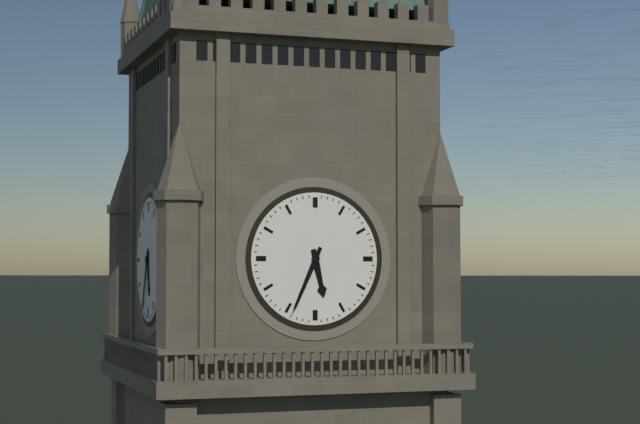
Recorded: 5,34
